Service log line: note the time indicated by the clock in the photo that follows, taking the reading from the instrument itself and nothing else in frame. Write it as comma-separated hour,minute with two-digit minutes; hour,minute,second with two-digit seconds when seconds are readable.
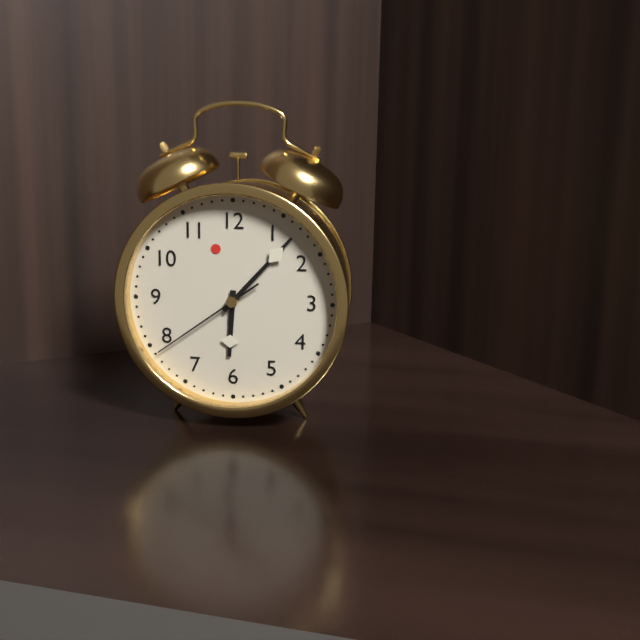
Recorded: 6,07,39
